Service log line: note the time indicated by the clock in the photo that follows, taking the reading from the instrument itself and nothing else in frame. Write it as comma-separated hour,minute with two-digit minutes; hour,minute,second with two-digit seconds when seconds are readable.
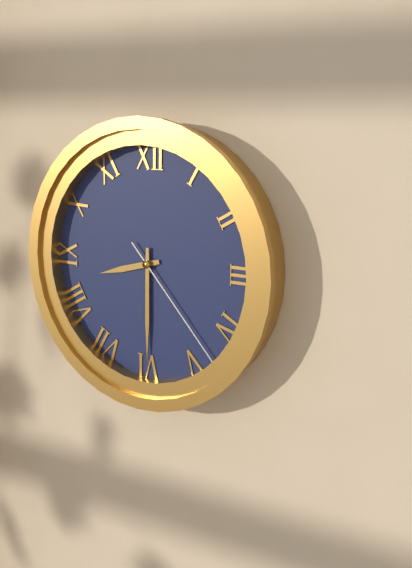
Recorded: 8,30,23
